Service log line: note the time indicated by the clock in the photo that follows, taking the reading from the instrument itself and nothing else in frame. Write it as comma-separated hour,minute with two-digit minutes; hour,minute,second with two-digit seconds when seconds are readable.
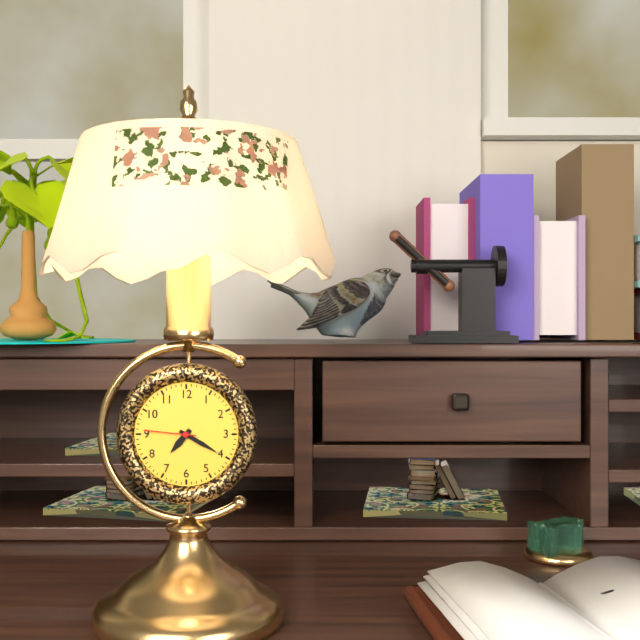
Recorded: 7,20,46
